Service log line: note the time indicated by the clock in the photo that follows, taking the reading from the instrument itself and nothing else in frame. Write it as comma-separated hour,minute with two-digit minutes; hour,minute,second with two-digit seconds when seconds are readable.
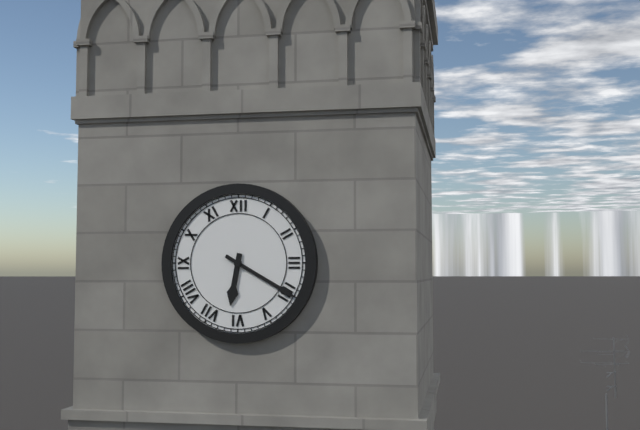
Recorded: 6,20
